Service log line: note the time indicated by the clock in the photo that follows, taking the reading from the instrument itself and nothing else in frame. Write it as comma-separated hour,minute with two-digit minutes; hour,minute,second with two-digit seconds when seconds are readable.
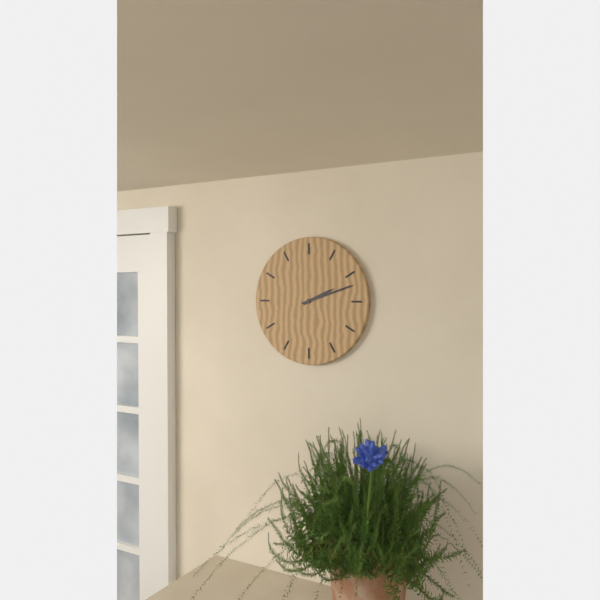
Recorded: 2,12
